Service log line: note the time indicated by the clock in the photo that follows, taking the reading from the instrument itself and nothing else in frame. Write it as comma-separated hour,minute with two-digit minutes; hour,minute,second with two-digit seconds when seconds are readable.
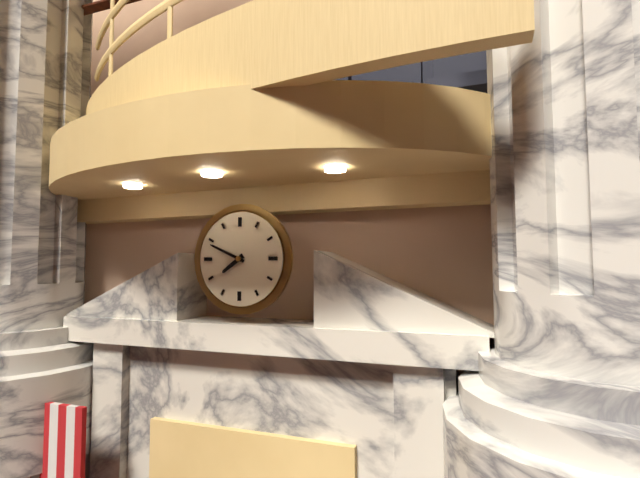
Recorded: 7,49
